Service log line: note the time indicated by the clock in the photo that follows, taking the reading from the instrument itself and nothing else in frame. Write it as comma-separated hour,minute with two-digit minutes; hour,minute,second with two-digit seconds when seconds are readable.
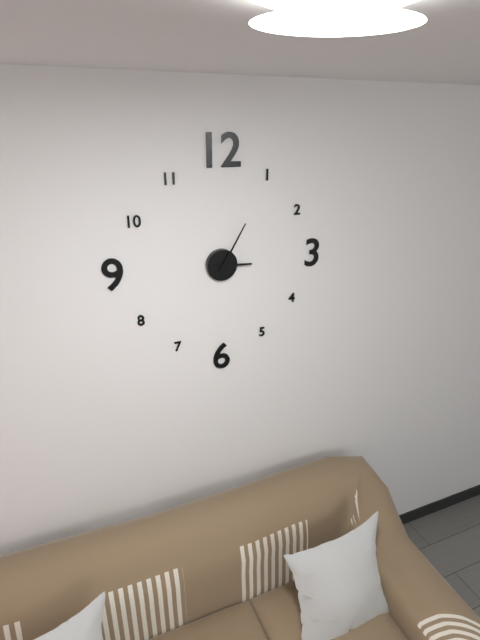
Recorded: 3,05
